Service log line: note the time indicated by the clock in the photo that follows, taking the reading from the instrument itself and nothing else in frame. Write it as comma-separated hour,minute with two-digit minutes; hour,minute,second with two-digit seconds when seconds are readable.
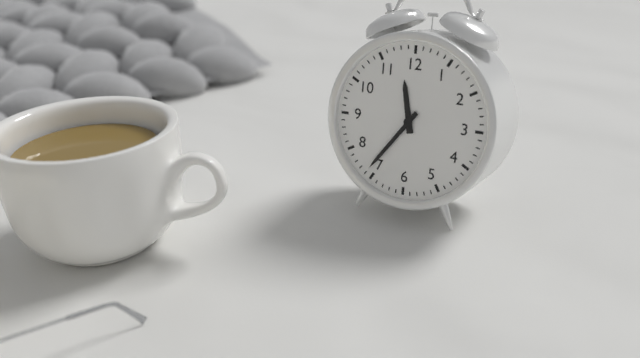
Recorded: 11,36
